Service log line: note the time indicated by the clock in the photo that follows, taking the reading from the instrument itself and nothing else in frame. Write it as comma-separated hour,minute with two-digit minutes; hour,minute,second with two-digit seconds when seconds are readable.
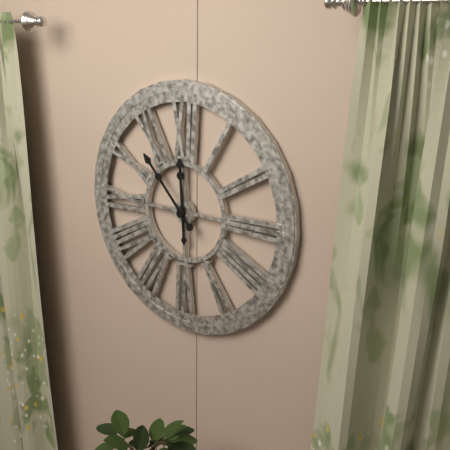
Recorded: 11,53
